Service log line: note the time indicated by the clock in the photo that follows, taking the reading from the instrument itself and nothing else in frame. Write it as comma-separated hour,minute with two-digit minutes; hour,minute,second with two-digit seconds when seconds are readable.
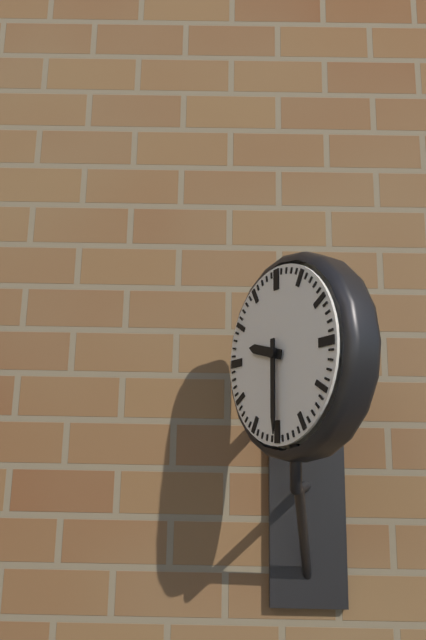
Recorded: 9,30
